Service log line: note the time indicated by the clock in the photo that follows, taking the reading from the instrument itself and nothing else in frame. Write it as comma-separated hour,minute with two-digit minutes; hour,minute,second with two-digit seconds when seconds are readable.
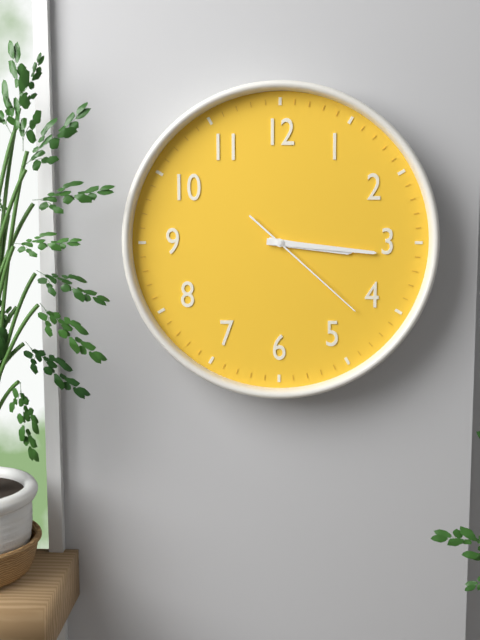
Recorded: 3,16,22
